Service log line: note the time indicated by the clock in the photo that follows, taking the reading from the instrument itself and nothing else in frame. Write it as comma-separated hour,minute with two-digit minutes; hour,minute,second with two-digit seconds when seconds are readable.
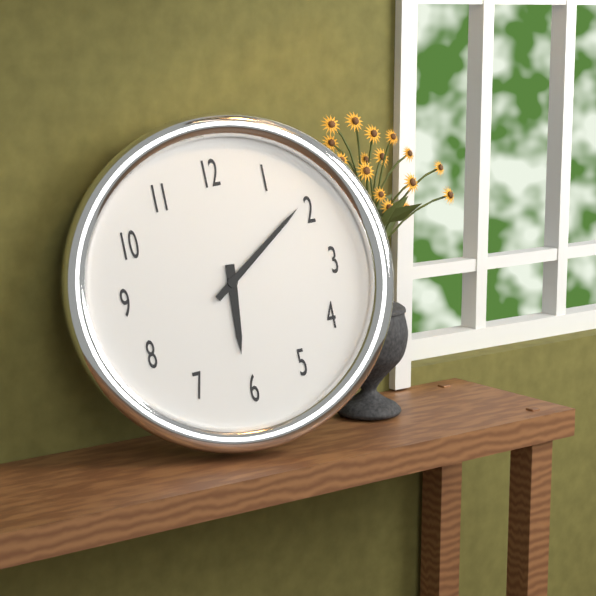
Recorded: 6,09
